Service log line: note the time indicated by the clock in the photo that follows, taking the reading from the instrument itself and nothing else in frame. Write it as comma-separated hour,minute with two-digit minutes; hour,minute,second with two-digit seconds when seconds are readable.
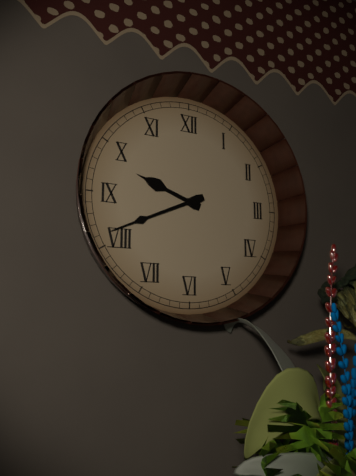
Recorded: 9,41
